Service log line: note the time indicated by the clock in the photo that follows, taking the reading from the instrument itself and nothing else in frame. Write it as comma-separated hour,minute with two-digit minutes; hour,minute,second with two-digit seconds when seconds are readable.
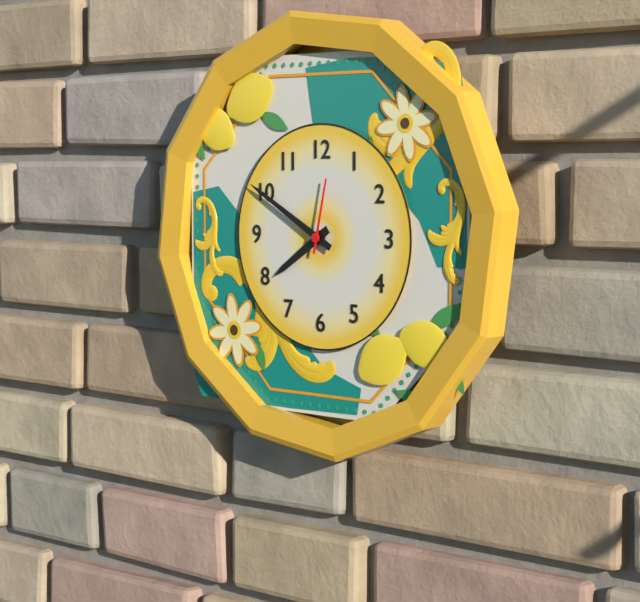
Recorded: 7,50,02
